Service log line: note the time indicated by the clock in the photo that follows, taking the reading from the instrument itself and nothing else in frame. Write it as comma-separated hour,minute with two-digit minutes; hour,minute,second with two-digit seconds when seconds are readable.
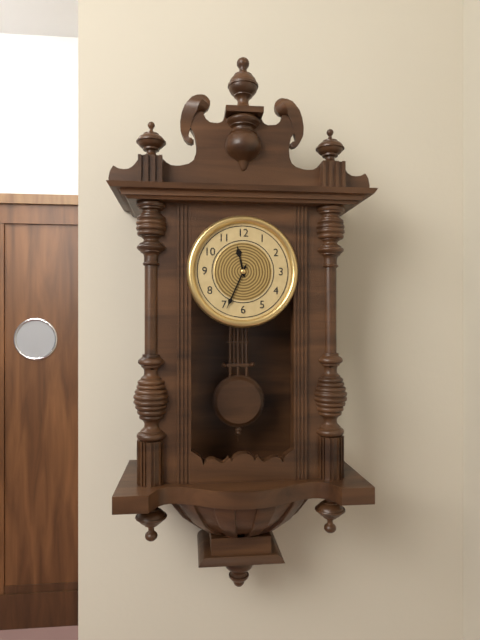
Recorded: 11,34
